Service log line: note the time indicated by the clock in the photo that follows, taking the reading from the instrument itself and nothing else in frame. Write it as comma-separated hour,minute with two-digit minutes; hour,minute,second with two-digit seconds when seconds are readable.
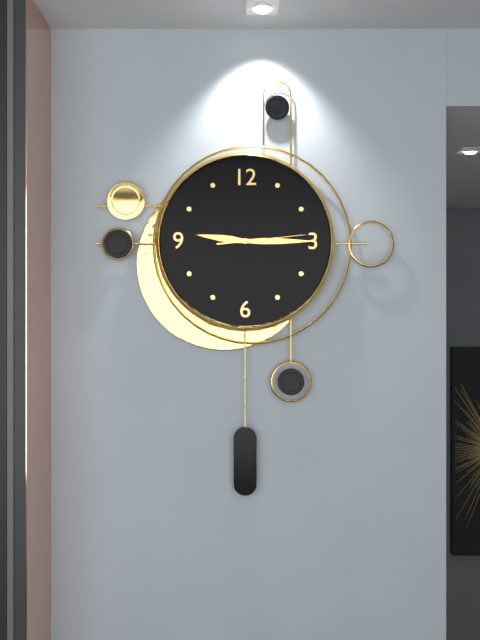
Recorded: 9,15,14
